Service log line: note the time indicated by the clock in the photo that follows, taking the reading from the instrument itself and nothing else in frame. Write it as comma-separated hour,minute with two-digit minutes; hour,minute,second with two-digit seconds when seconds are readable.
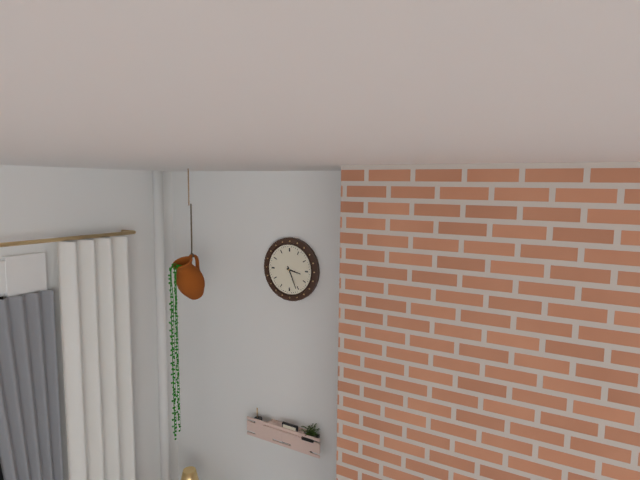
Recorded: 3,26
